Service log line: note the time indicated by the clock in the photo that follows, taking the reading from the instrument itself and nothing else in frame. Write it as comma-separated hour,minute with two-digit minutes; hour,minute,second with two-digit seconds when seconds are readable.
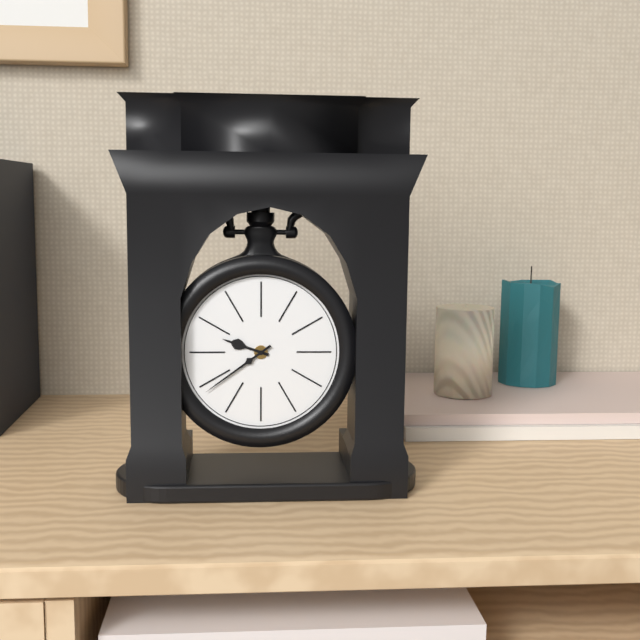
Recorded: 9,39
